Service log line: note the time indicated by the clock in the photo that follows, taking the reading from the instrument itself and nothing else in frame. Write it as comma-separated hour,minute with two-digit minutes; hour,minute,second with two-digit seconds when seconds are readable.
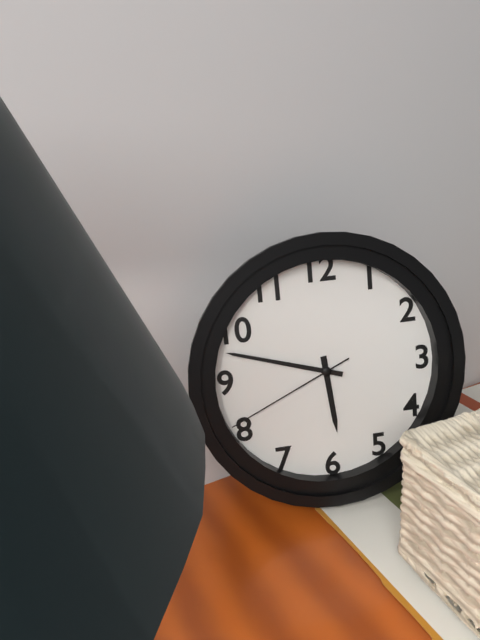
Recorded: 5,48,41
